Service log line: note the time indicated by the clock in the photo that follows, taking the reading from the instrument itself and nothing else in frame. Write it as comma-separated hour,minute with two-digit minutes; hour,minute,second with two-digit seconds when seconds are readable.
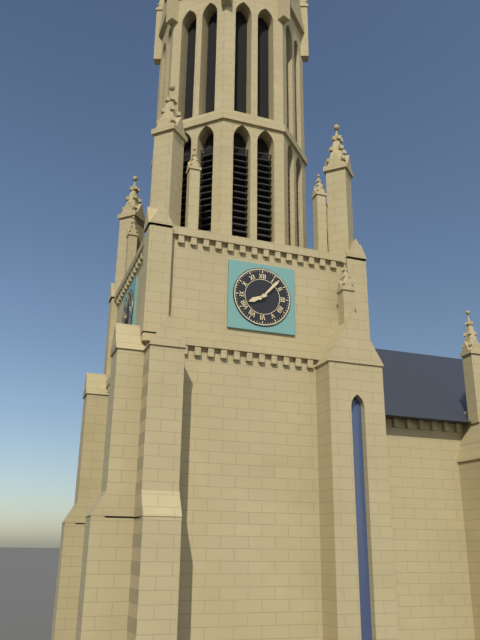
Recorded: 8,07
